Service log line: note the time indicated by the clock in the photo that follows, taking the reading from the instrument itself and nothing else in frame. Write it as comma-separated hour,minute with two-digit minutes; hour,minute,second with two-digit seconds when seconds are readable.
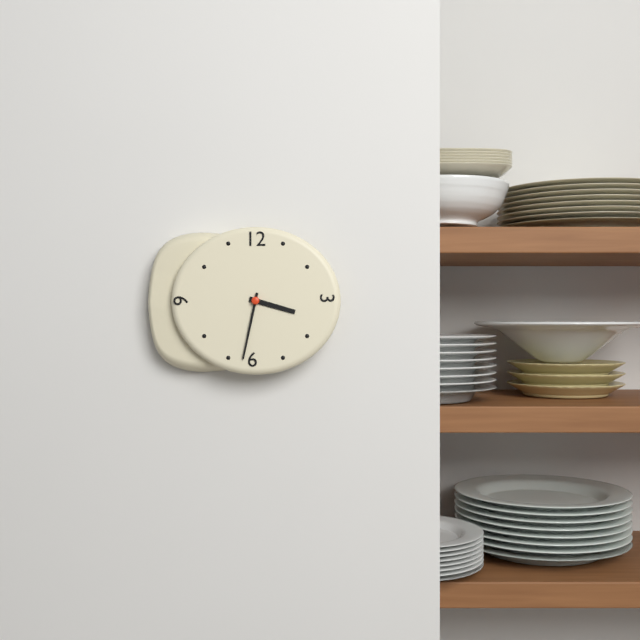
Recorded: 3,32
